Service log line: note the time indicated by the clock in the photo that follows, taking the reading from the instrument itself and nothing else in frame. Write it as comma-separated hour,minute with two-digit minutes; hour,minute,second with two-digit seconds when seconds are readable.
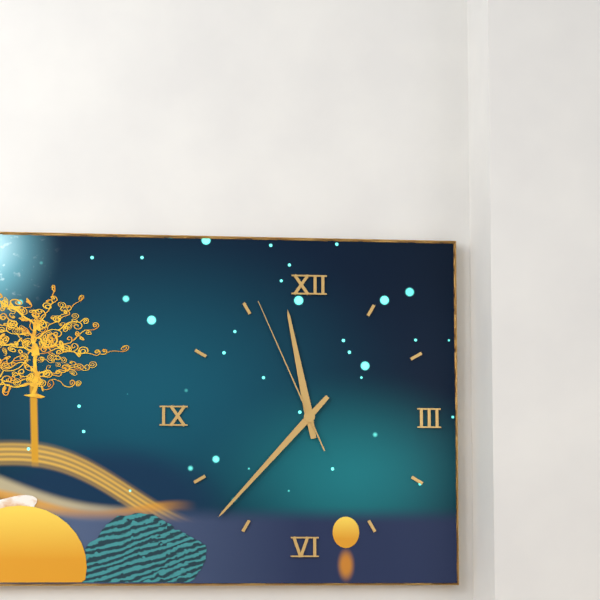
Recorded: 11,37,56
